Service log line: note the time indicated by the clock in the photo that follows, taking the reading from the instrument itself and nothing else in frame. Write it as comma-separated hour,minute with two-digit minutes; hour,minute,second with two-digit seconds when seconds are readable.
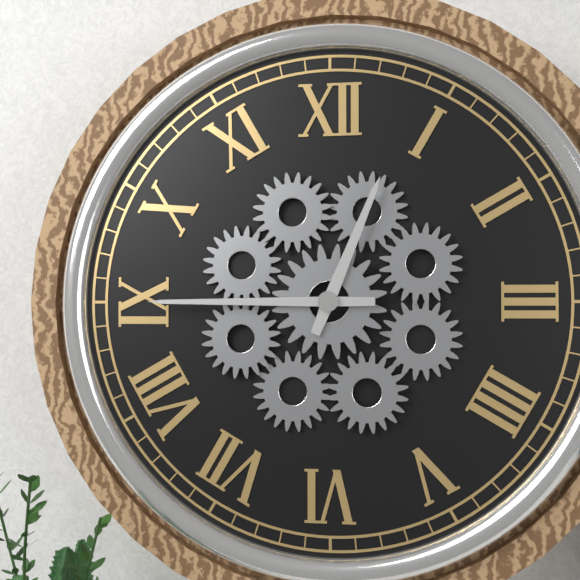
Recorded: 12,45
